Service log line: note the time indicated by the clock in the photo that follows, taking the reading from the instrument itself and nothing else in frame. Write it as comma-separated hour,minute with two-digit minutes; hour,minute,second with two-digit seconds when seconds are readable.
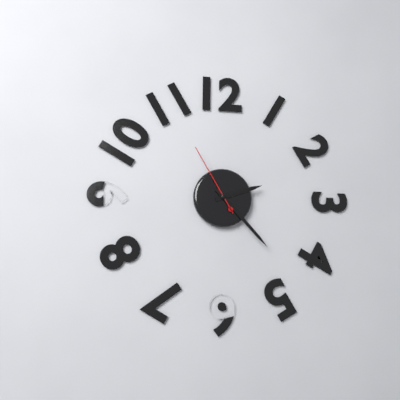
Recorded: 2,23,55
